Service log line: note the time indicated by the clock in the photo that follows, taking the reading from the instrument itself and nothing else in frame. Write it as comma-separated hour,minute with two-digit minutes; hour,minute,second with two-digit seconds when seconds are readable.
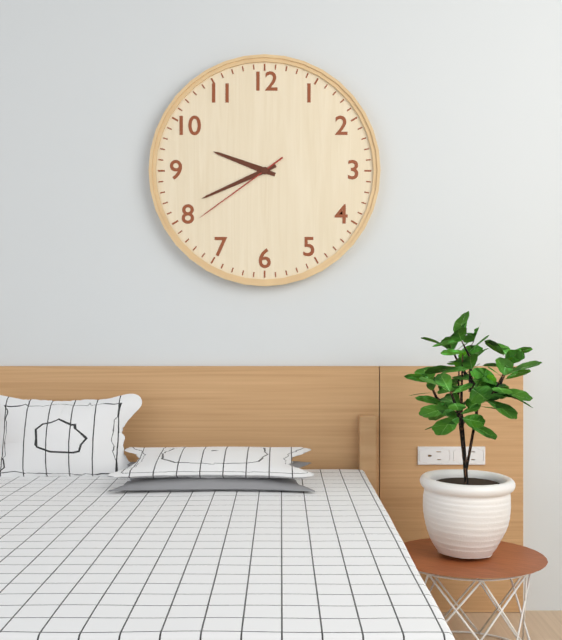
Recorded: 9,41,39
